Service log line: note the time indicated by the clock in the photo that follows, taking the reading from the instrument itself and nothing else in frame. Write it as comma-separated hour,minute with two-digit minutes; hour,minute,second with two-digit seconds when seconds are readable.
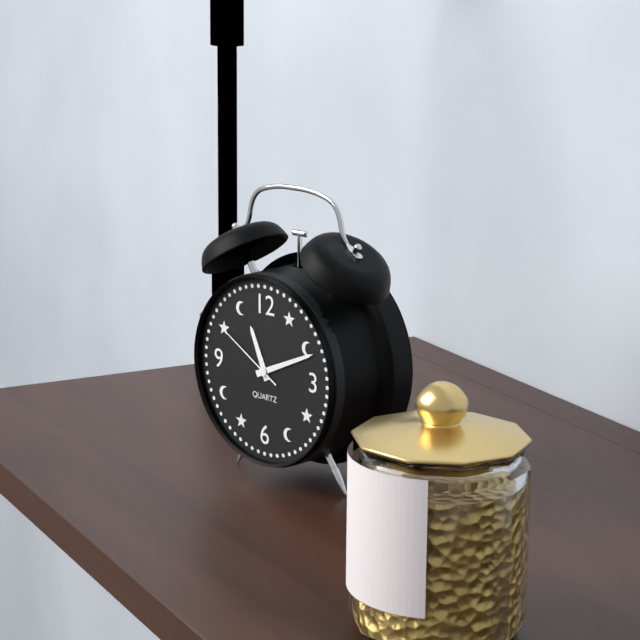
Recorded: 11,11,50
